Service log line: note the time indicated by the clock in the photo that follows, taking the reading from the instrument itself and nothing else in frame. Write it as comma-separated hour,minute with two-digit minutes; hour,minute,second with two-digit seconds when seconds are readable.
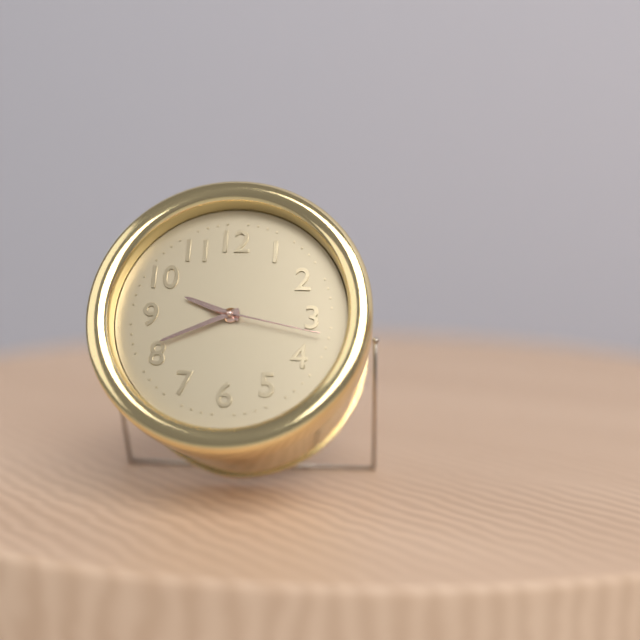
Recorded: 9,41,17
